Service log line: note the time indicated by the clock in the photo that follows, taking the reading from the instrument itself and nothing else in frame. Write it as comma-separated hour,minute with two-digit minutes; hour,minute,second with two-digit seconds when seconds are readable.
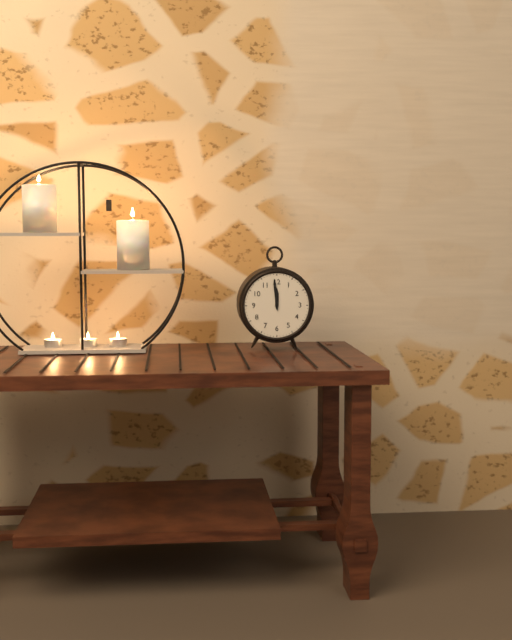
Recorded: 11,59
